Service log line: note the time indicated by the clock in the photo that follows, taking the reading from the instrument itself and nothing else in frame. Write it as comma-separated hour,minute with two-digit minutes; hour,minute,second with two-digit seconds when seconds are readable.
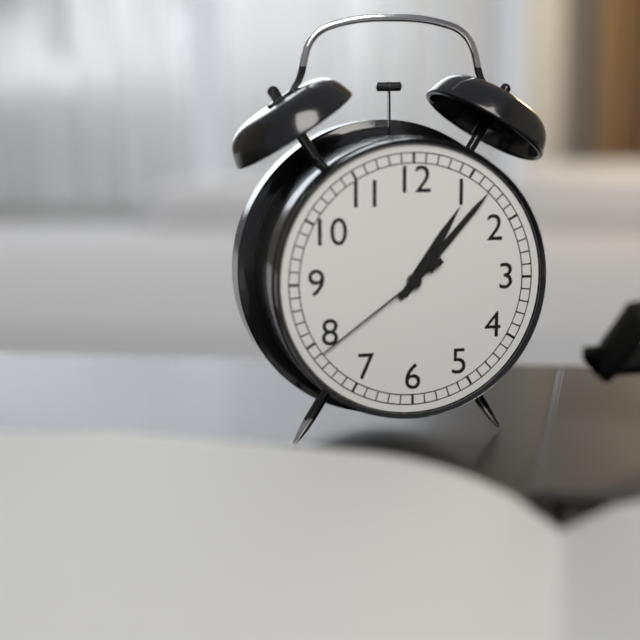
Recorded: 1,07,39
